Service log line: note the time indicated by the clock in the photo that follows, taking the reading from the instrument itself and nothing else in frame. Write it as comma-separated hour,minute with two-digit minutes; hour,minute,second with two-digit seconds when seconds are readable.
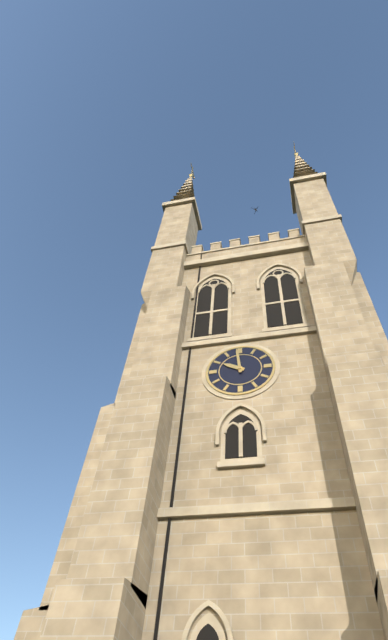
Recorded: 9,59
